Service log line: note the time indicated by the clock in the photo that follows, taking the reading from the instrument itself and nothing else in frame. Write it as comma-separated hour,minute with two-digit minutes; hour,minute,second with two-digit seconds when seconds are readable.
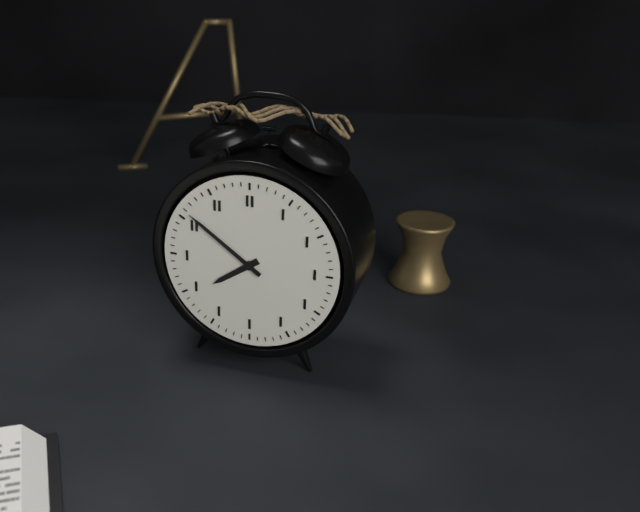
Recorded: 7,51
